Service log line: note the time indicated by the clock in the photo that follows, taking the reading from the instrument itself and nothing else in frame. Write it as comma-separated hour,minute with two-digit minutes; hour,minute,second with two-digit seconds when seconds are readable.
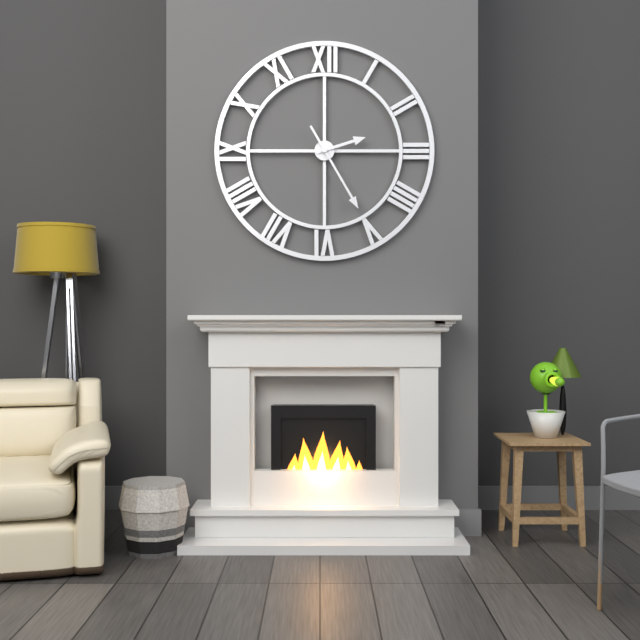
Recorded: 2,25
